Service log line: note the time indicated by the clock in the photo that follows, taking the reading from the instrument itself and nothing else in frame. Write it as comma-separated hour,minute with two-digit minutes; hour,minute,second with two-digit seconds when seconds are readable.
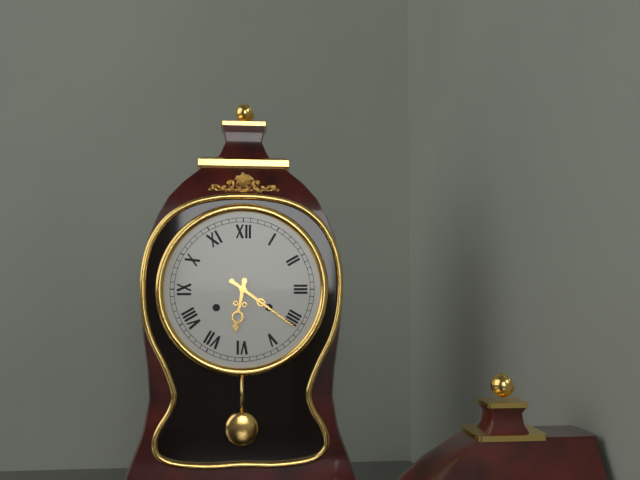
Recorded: 6,21
